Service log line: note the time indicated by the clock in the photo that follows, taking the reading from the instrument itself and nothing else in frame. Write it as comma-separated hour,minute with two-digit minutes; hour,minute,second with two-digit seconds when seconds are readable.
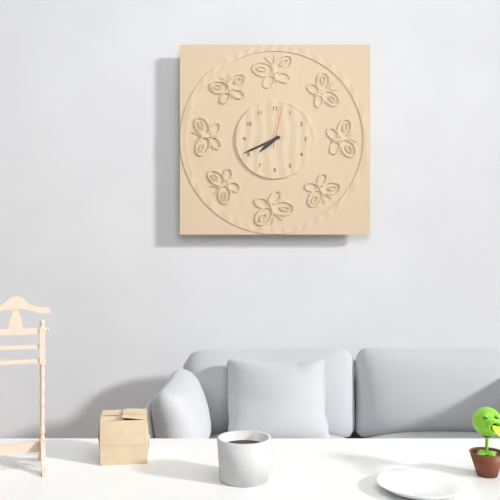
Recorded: 7,41
